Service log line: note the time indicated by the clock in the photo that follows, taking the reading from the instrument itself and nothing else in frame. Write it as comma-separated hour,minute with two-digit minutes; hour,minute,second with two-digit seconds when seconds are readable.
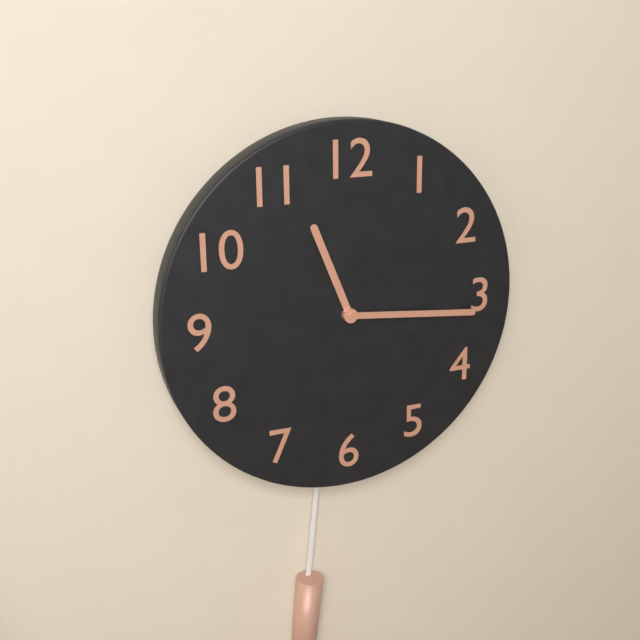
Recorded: 11,16
